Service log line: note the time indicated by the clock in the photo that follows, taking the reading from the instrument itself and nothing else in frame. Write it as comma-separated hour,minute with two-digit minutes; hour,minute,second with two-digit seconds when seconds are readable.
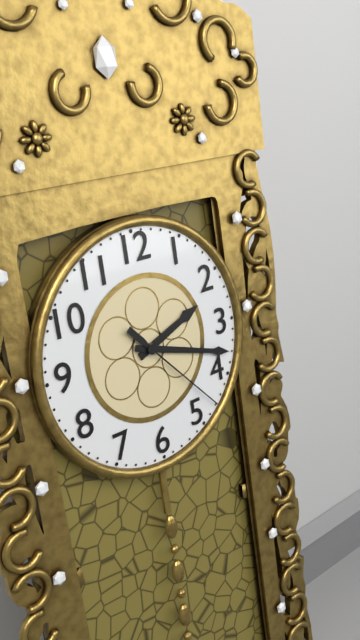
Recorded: 2,18,23
